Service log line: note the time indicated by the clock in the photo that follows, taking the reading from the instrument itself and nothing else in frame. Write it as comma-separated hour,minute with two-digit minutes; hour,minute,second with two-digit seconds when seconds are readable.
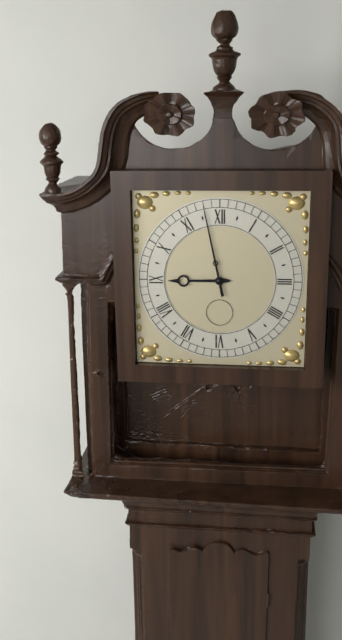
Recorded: 8,58
